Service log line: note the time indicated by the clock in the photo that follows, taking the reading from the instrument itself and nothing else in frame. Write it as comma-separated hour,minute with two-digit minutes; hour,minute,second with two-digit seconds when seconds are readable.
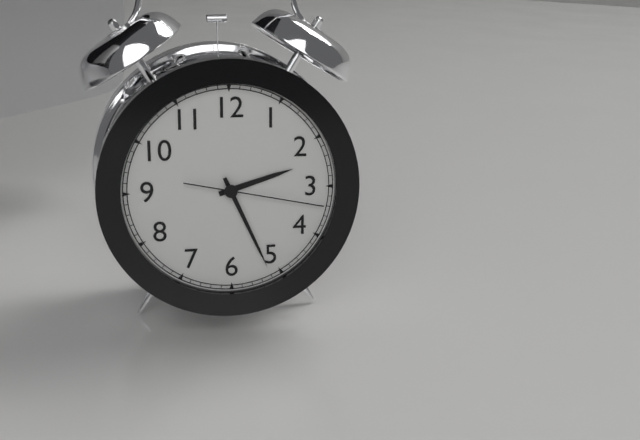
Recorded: 2,26,17
